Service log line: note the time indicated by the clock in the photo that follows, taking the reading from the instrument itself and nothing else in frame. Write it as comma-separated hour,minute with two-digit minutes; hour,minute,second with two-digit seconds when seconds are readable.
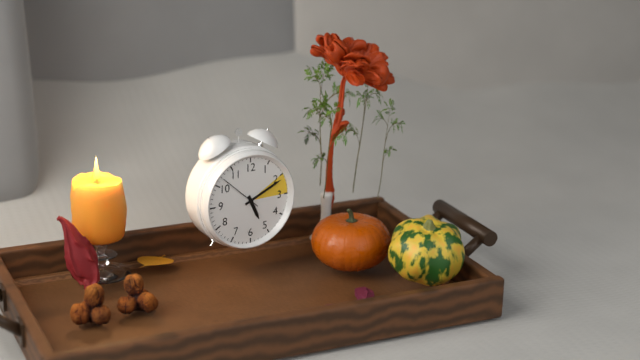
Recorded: 5,11
